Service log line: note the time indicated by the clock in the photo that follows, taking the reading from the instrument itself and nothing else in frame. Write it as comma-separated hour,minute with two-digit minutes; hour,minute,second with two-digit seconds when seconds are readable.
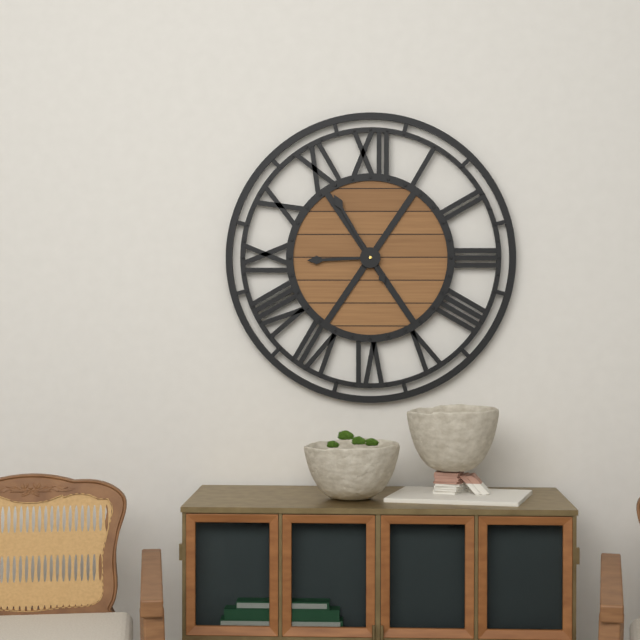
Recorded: 8,55
